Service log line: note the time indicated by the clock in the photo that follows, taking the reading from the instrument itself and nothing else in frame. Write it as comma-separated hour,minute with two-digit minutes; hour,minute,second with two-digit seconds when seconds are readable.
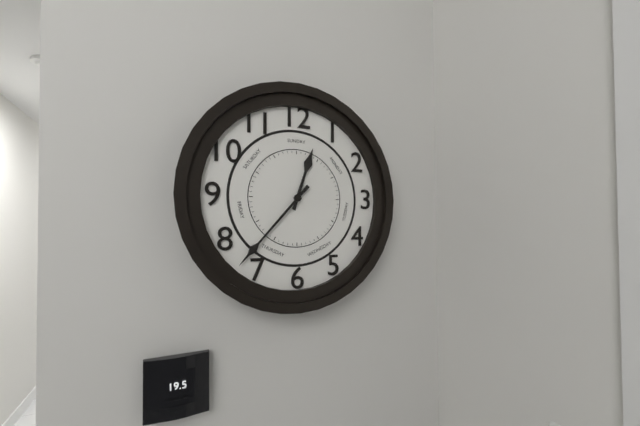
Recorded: 12,37
